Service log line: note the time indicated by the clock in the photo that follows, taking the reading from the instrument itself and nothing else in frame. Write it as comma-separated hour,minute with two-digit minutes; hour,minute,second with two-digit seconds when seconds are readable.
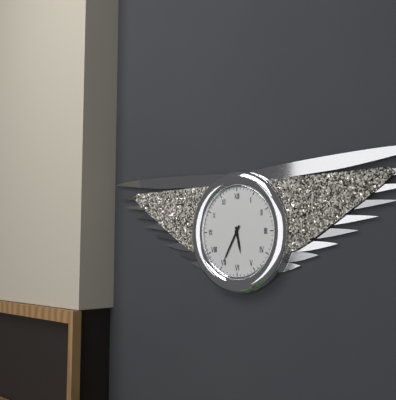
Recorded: 5,35
